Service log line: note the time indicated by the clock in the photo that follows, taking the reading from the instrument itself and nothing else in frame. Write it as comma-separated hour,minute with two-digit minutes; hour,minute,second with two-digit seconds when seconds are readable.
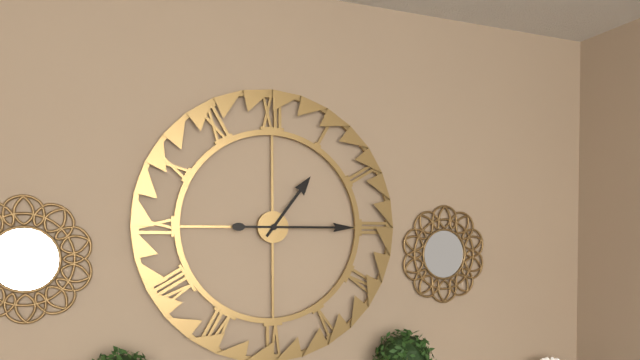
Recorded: 1,15
